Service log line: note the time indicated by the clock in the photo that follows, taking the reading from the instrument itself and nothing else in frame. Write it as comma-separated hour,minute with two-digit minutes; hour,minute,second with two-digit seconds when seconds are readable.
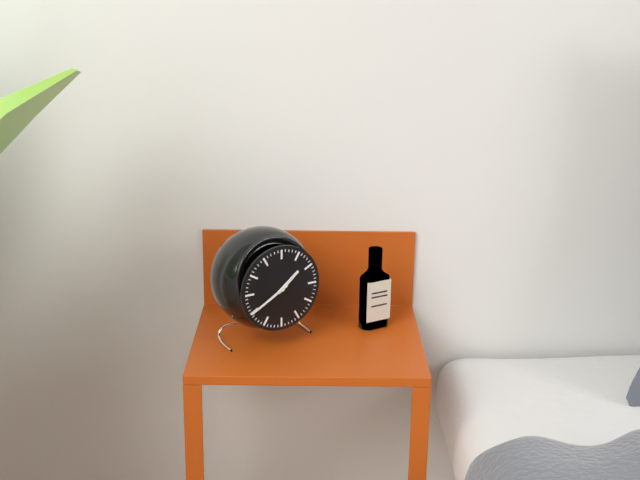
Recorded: 1,40
